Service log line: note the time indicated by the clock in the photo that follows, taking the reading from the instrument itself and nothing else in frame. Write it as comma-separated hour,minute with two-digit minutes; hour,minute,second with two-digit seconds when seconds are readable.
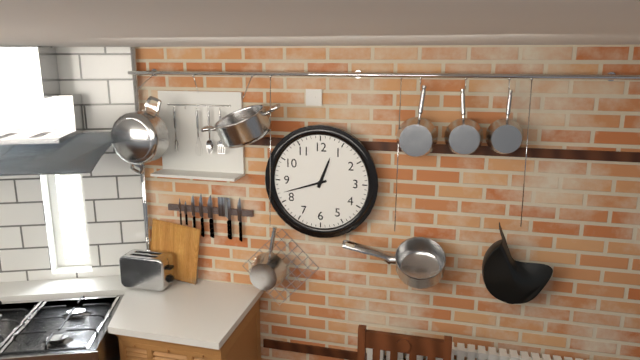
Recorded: 12,42
